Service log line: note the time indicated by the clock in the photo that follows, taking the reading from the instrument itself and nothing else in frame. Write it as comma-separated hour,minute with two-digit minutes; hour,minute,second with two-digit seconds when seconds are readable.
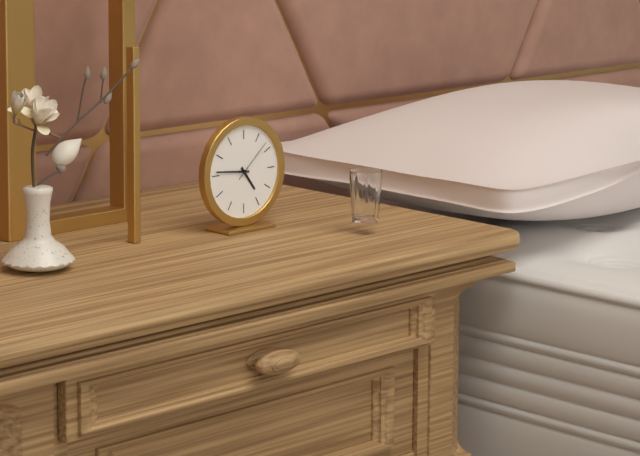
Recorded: 4,46
